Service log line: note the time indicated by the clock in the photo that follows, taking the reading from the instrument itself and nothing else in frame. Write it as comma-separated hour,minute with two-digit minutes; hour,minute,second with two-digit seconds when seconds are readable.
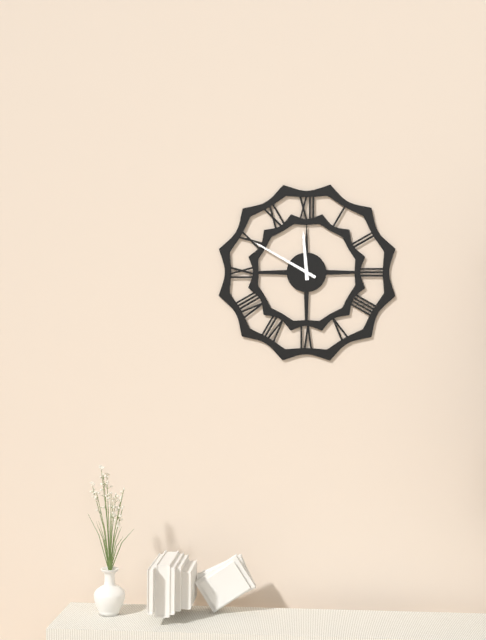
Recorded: 11,50
